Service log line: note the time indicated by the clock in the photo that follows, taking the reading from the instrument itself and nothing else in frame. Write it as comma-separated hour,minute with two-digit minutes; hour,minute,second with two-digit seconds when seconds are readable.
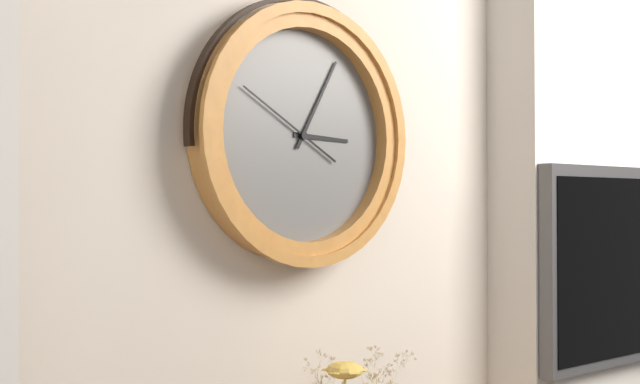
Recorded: 3,05,50
